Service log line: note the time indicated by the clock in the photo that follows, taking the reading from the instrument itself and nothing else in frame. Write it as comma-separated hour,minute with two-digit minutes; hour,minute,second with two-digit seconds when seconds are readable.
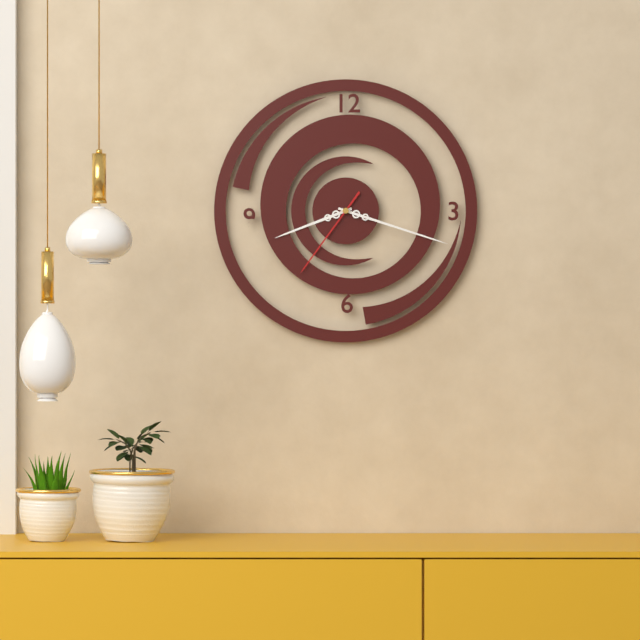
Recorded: 8,18,36
